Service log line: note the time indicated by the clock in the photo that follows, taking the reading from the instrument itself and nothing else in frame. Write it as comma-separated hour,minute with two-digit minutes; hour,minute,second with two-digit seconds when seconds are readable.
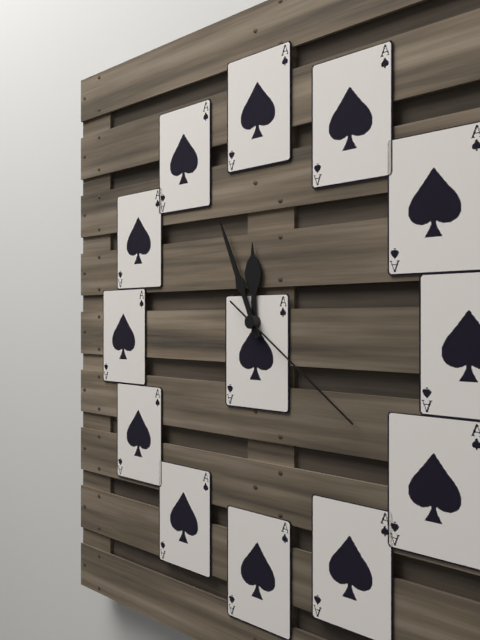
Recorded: 11,56,21
